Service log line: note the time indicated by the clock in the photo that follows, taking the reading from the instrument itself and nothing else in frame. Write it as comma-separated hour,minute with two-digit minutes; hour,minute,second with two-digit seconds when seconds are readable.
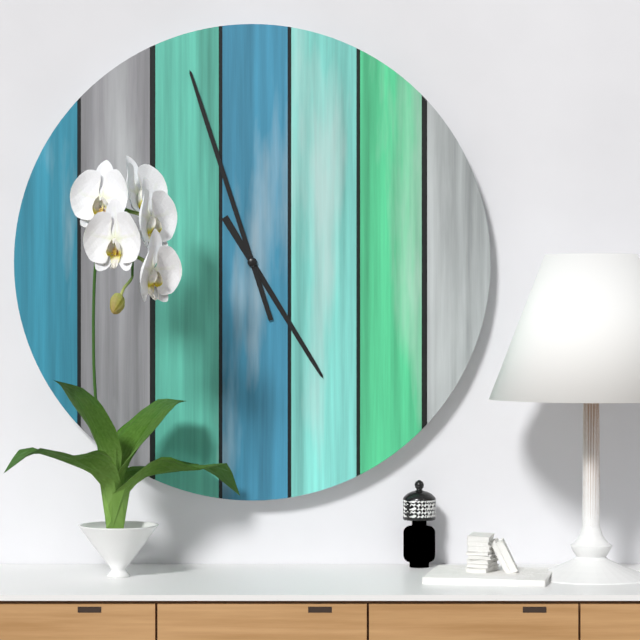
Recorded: 4,57
